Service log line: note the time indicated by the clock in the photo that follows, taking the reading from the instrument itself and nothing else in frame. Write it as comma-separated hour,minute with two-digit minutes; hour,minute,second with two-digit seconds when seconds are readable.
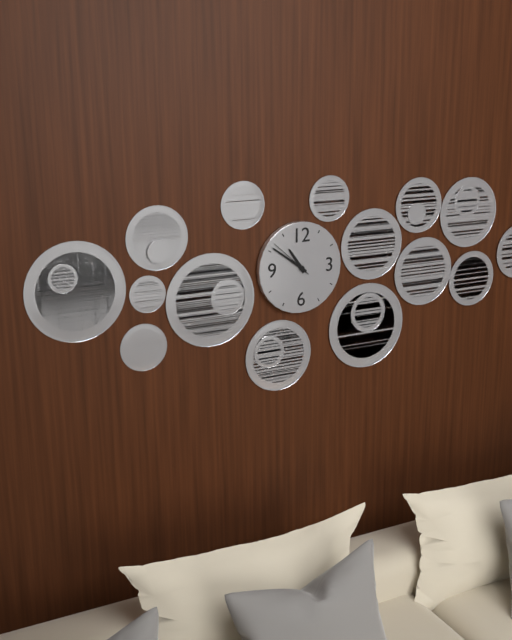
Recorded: 10,51
